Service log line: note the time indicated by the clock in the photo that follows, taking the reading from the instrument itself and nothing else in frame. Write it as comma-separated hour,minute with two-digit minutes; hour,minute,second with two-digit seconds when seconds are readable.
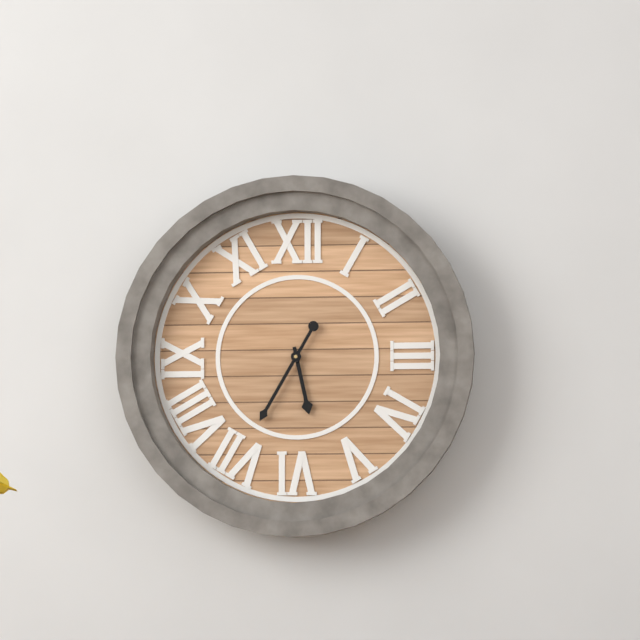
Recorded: 5,35
